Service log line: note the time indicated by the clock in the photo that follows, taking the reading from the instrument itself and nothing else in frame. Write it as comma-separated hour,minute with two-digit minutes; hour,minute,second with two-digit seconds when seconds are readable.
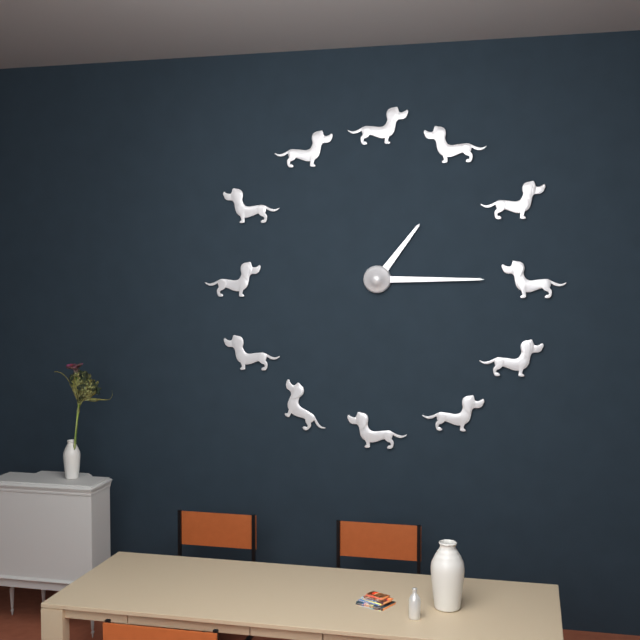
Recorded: 1,15
